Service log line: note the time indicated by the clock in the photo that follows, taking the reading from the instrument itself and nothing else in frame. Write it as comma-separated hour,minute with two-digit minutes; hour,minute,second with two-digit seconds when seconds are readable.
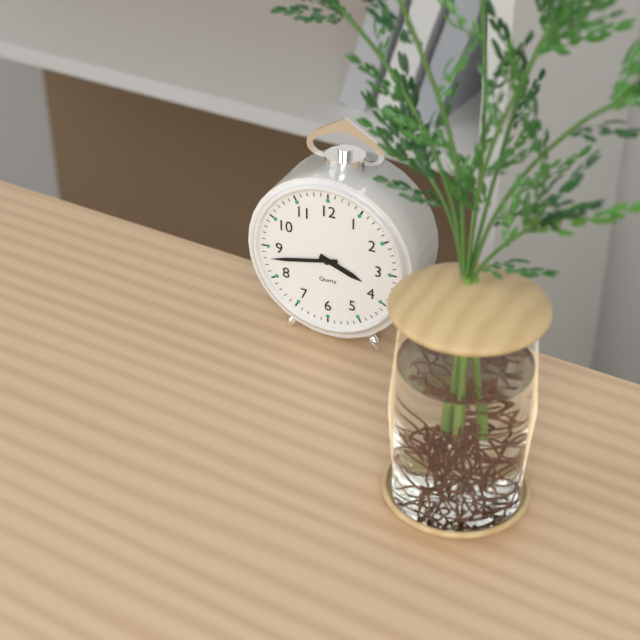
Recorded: 3,43
